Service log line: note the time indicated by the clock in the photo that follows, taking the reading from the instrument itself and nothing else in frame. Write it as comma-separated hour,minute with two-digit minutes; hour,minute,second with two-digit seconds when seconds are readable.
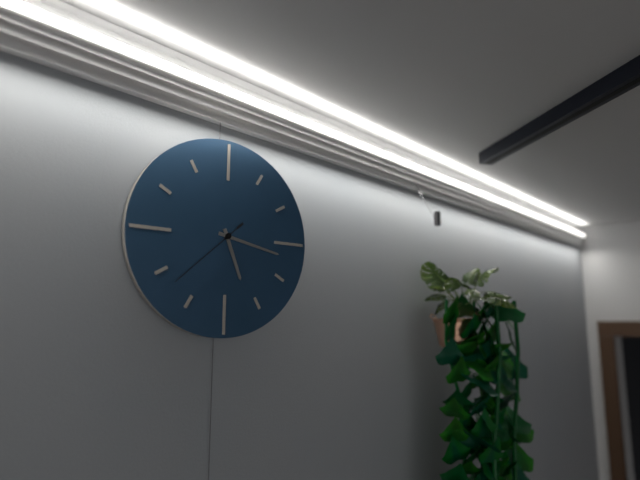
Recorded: 5,17,38
